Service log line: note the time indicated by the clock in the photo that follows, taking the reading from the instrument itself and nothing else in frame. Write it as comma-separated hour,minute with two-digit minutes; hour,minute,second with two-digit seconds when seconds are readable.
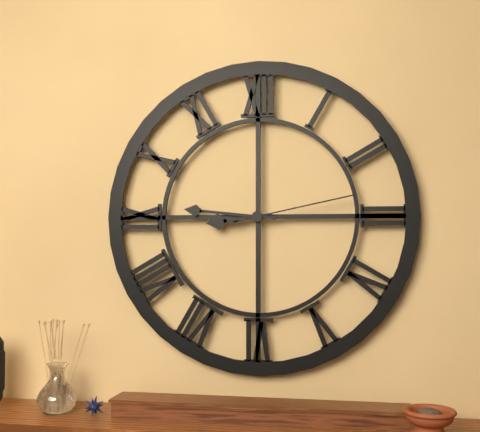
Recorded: 8,46,13
